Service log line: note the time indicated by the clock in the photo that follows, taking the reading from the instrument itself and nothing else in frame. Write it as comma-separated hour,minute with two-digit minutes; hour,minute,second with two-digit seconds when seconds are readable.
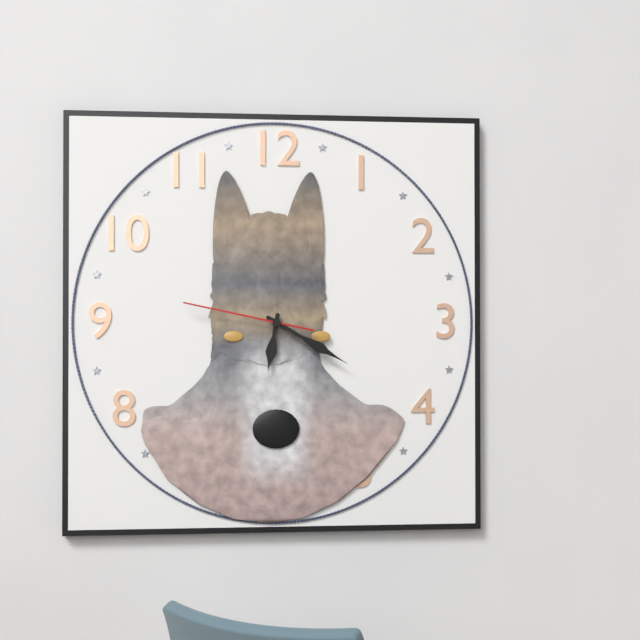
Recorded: 6,20,47
